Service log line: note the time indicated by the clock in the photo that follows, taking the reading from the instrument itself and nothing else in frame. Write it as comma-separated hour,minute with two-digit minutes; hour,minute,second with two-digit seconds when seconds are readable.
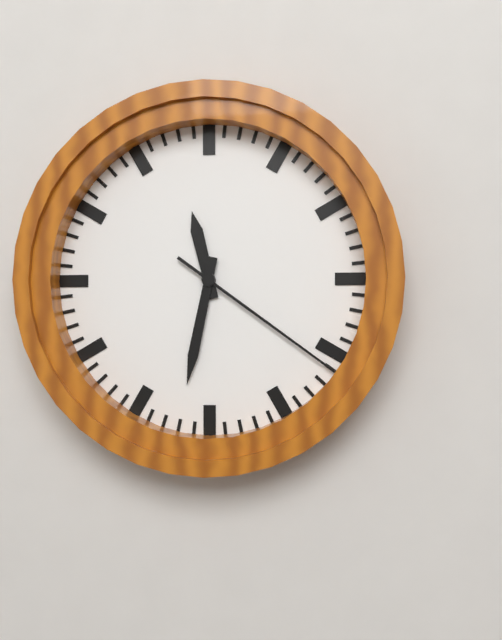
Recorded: 11,32,21
